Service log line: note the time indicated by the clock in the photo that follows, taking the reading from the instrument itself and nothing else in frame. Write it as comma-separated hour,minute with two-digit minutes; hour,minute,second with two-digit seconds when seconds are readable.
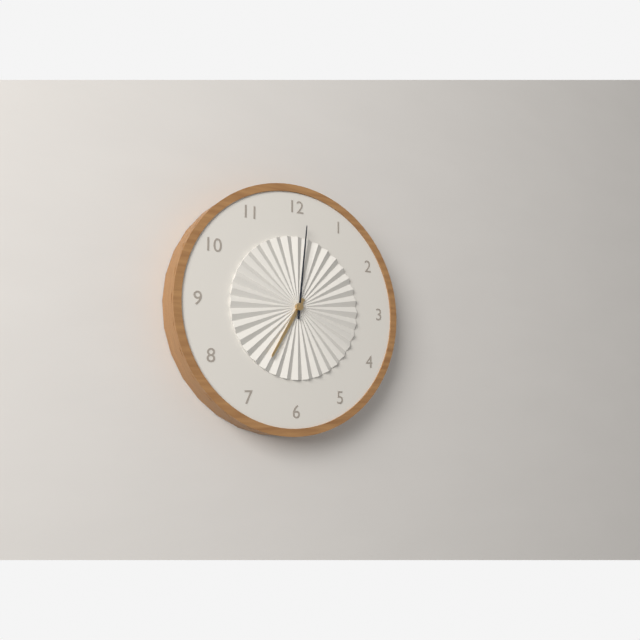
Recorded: 7,01
